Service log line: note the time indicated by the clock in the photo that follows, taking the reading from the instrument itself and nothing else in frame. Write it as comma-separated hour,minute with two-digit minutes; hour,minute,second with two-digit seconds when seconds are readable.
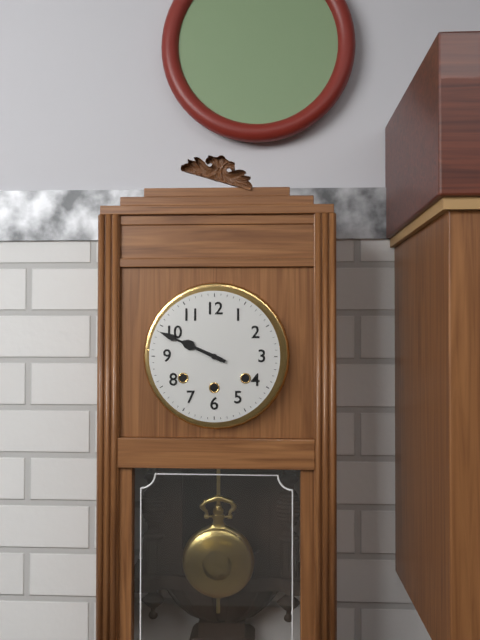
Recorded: 9,49
